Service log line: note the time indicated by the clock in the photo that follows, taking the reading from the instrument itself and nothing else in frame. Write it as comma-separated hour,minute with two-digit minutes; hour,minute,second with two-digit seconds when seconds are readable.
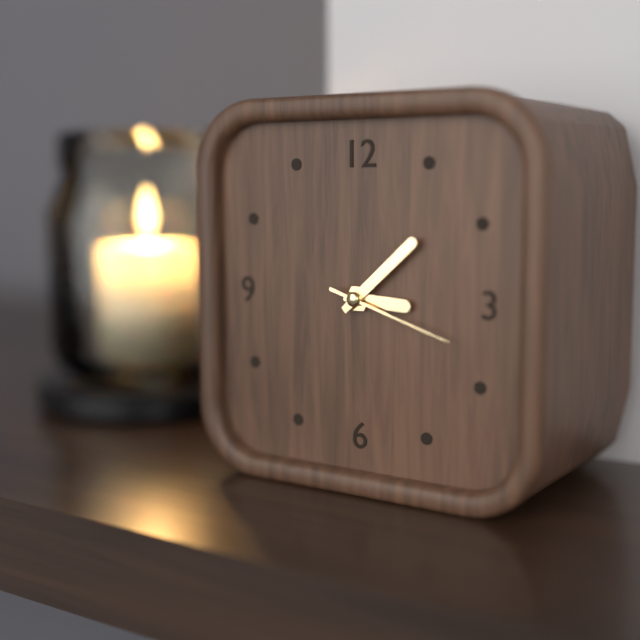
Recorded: 3,08,18
